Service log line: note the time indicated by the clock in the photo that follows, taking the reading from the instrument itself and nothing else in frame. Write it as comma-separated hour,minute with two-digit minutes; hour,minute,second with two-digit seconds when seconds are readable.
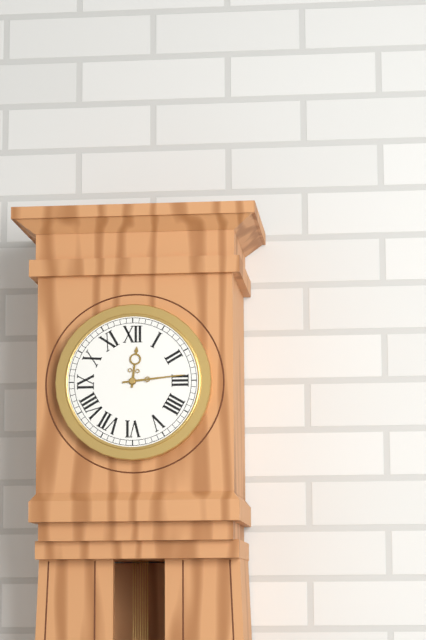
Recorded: 12,14
